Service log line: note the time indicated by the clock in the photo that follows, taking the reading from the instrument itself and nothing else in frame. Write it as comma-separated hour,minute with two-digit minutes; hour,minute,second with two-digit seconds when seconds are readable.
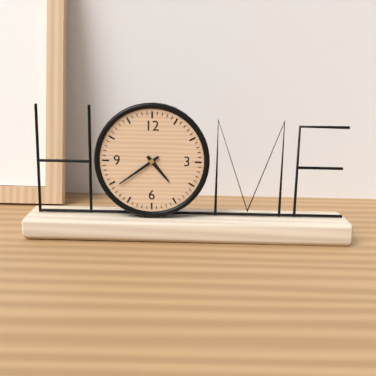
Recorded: 4,39
